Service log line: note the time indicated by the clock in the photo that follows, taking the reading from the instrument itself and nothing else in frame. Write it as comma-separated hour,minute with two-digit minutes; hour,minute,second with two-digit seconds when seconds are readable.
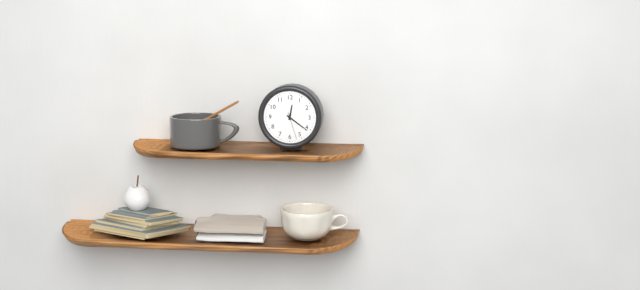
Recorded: 12,21
